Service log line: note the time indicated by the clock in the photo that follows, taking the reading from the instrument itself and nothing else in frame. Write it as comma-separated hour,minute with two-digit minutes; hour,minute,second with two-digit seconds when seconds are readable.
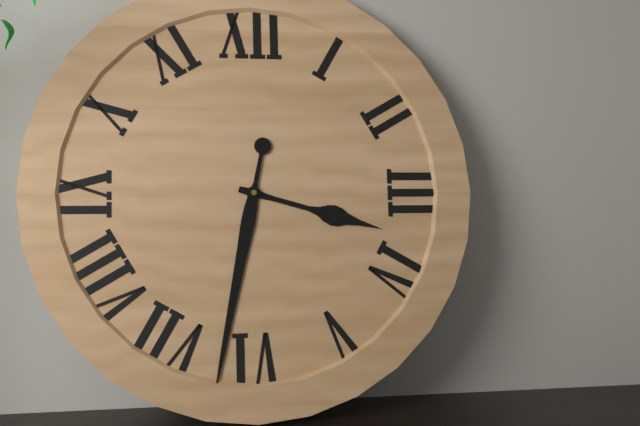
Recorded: 3,32
